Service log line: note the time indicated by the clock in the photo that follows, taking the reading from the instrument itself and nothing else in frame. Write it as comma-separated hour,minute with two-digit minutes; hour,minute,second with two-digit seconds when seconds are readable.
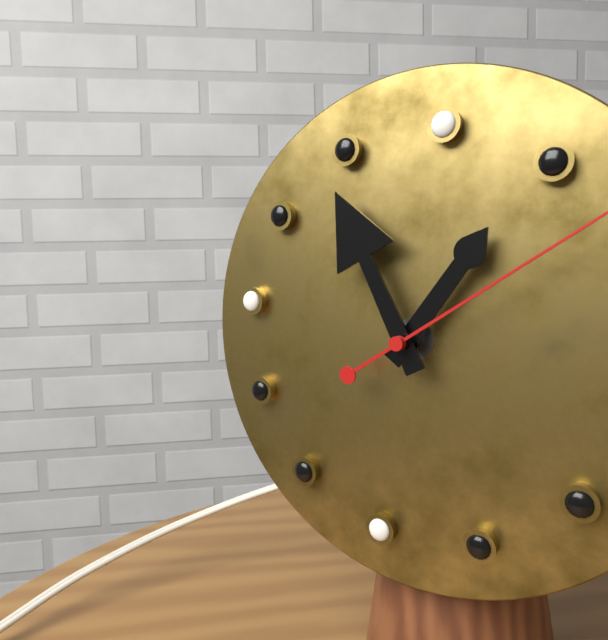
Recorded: 12,54
